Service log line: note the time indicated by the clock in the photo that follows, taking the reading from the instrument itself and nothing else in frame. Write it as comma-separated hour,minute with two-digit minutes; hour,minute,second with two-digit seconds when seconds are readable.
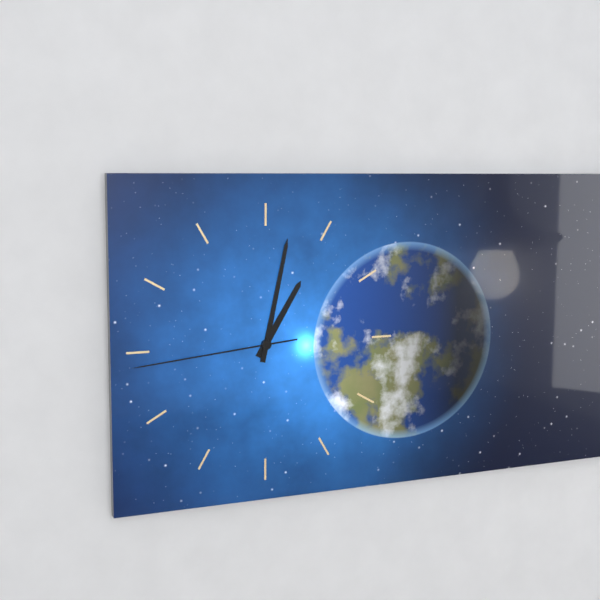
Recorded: 1,02,44
